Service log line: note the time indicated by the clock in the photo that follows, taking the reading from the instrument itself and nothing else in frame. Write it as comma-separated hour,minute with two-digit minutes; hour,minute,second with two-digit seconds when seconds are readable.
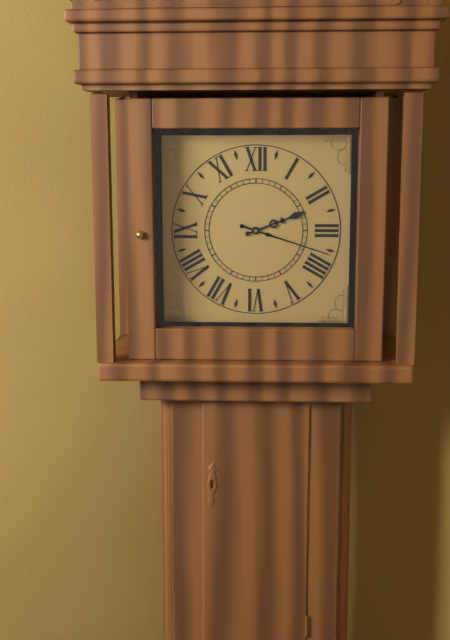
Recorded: 2,18
